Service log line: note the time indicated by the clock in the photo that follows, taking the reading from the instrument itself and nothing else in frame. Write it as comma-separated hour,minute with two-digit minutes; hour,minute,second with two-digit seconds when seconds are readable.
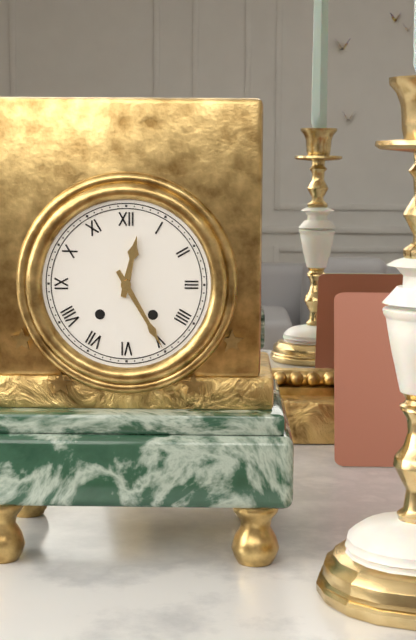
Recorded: 12,25
